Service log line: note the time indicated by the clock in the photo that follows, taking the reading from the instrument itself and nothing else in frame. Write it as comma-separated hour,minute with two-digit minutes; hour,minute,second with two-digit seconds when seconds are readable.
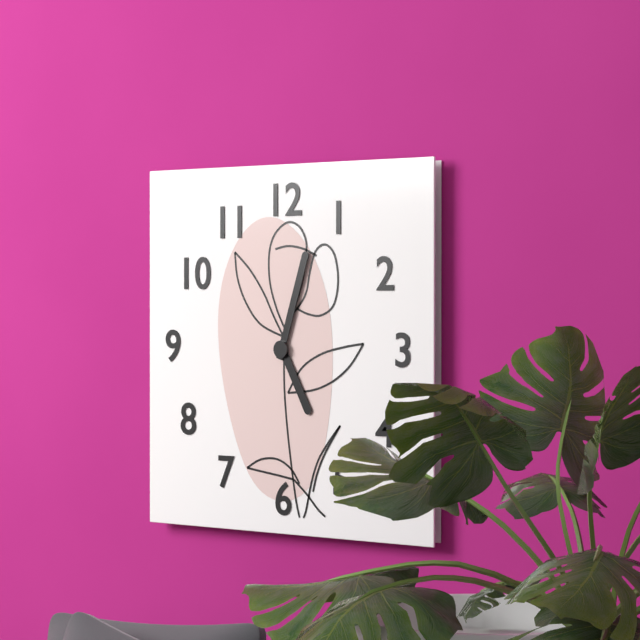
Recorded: 5,03
